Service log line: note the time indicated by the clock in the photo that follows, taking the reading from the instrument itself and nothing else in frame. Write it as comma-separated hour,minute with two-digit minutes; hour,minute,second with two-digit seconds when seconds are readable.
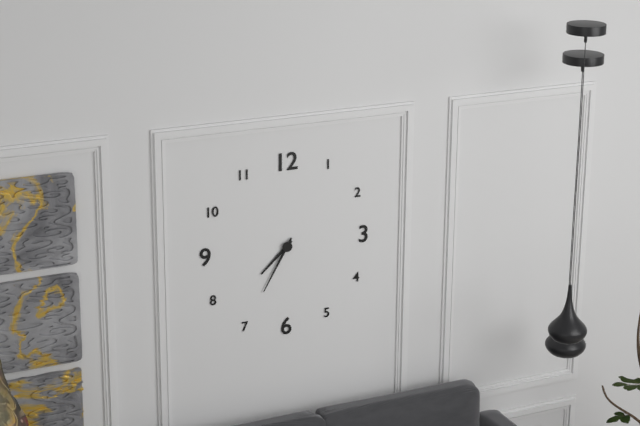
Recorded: 7,35
